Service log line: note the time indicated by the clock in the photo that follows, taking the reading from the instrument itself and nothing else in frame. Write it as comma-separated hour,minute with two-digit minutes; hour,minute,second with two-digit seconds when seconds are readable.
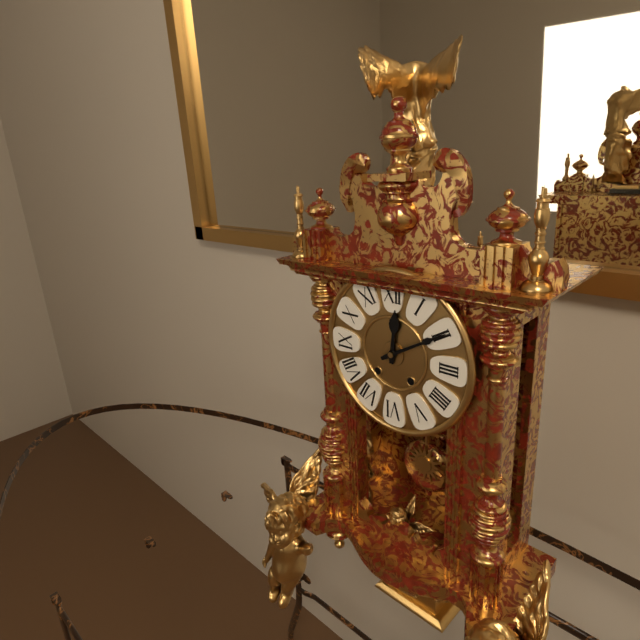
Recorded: 12,10
